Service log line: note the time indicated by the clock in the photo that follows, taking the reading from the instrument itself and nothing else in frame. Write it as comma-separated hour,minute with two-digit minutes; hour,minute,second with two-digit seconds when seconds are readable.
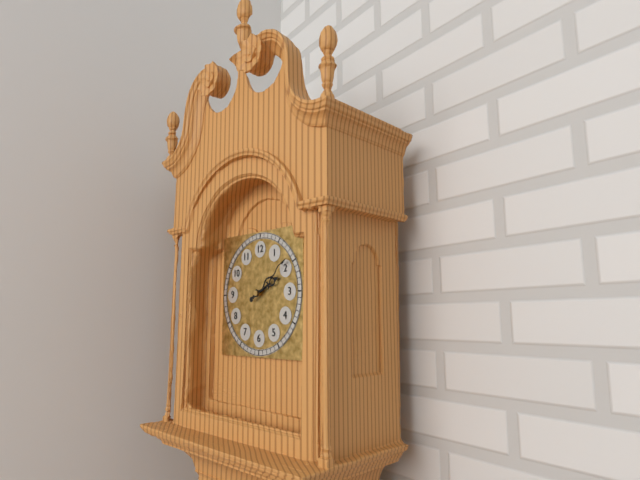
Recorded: 2,09
